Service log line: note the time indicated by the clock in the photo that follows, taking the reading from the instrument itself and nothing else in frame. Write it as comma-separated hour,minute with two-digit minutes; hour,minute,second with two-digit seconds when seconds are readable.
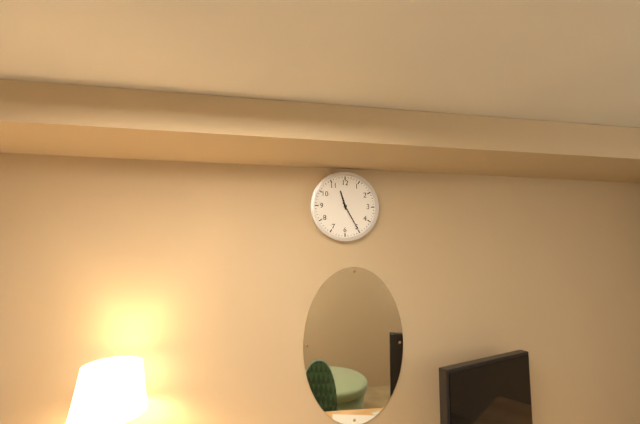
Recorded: 11,25
